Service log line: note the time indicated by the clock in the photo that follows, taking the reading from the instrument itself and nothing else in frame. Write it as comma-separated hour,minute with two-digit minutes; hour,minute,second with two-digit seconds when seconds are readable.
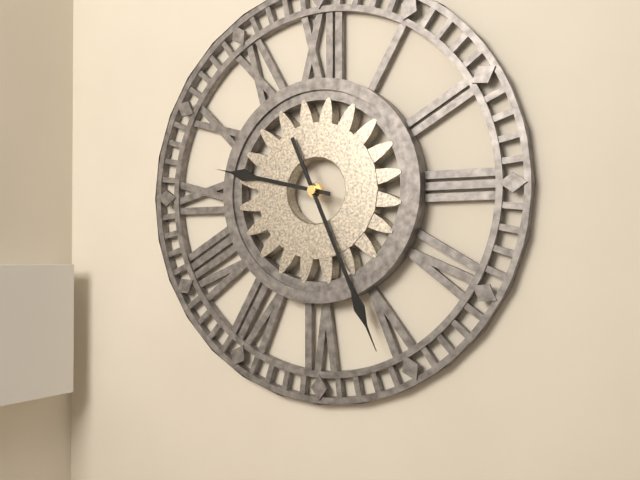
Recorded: 9,26
